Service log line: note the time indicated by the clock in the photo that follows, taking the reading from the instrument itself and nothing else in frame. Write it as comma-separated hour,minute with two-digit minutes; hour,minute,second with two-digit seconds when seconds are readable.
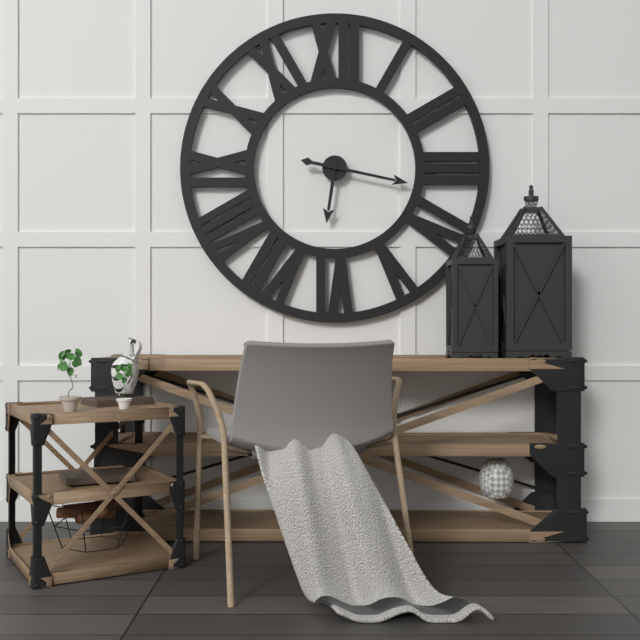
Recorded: 6,17
